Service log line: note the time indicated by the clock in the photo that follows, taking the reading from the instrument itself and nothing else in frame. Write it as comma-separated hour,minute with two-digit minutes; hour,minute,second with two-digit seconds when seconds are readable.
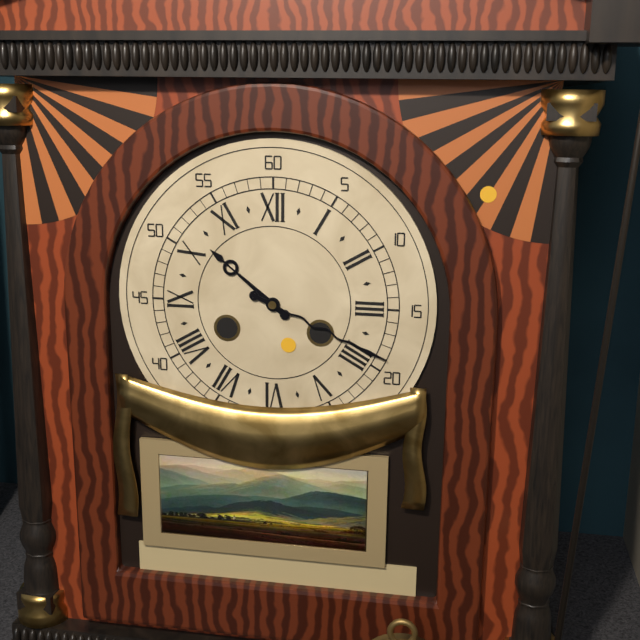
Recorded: 10,19
